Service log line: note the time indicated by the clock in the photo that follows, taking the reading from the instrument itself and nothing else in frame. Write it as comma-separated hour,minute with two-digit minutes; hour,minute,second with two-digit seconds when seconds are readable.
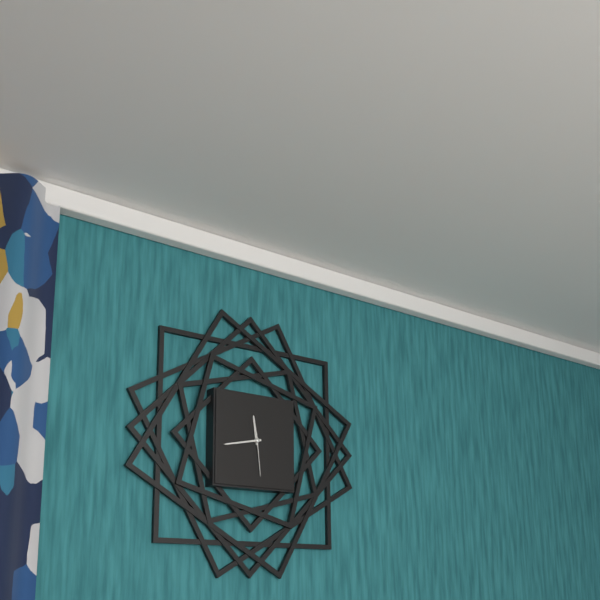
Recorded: 11,43
